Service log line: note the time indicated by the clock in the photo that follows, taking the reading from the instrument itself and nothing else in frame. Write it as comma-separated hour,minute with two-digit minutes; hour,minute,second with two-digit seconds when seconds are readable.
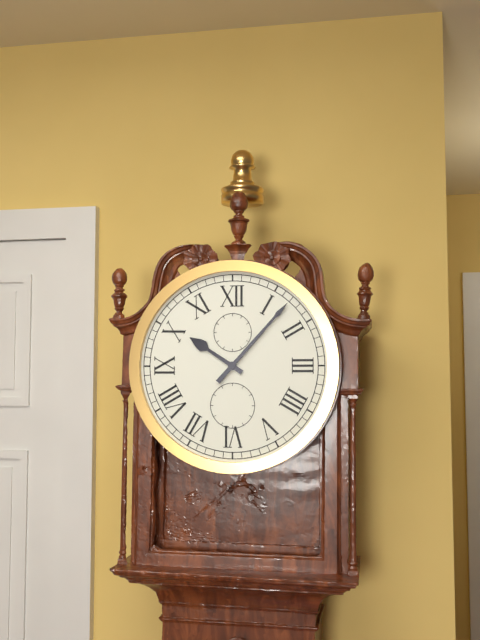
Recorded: 10,07
